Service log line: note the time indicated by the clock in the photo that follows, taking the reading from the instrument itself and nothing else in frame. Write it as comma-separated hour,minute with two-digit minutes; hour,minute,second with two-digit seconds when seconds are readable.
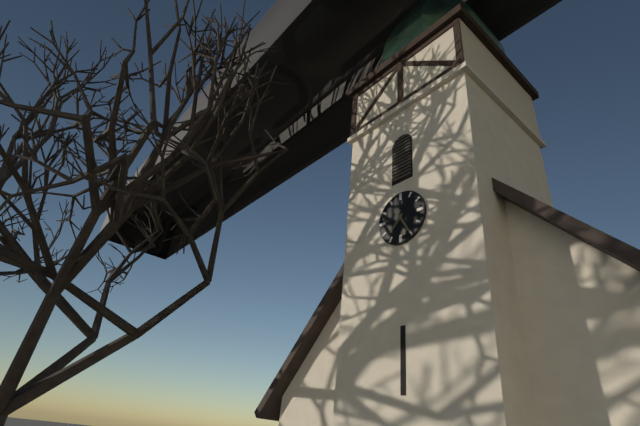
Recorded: 7,25
